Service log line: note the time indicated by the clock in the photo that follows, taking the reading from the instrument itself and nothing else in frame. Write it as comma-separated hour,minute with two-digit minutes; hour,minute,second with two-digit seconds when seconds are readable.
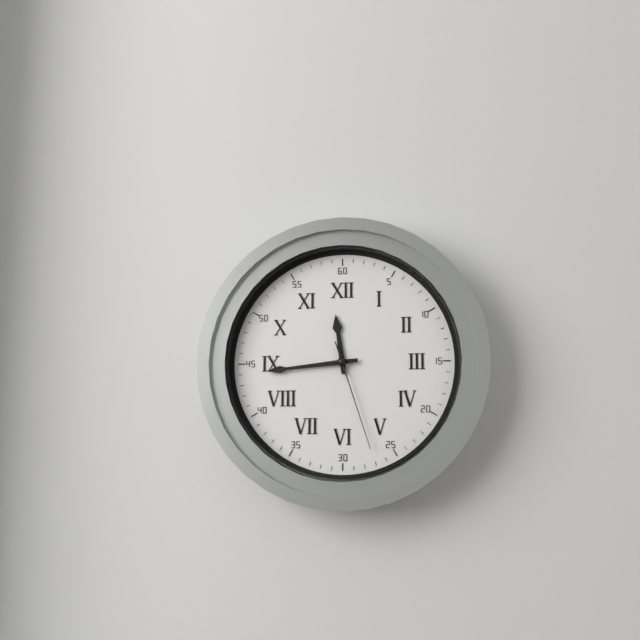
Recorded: 11,44,27
